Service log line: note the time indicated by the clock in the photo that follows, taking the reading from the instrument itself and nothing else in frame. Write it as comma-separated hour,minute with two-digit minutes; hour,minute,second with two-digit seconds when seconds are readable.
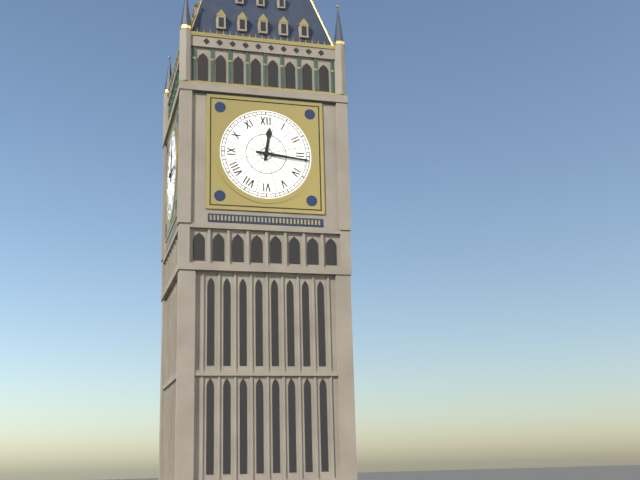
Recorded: 12,16
